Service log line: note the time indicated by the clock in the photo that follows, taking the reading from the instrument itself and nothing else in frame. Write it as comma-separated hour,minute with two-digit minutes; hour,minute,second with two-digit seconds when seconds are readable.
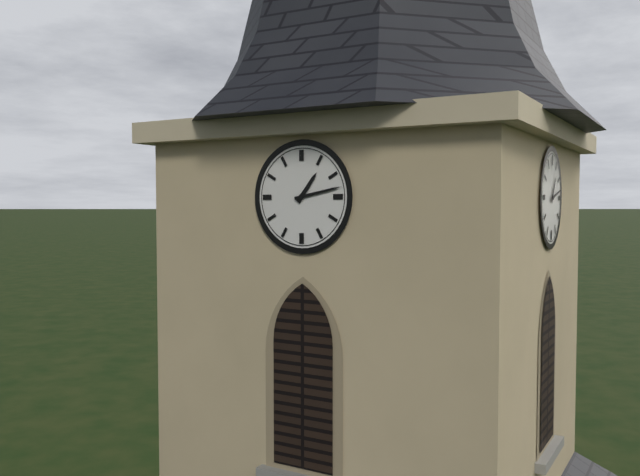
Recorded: 1,13
